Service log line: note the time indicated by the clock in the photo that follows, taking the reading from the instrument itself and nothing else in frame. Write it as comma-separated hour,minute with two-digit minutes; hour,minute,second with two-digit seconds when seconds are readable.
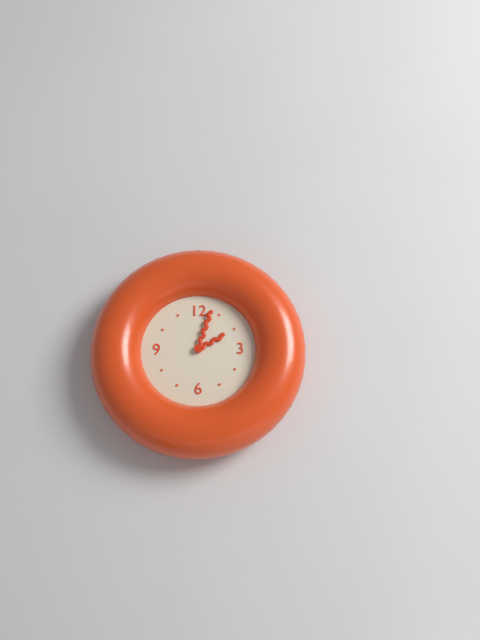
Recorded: 2,03
